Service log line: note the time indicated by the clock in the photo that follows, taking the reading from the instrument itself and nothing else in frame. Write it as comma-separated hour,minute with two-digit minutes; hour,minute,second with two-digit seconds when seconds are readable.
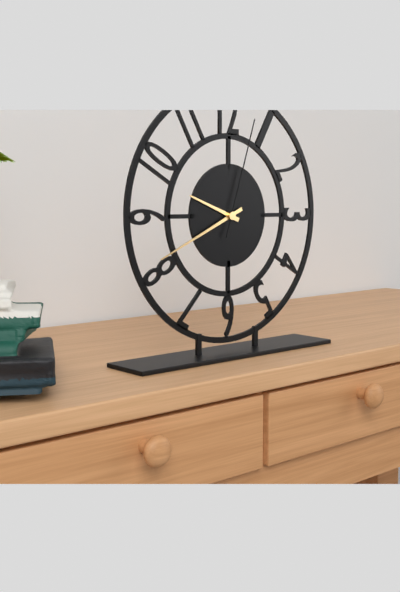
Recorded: 9,41,03
